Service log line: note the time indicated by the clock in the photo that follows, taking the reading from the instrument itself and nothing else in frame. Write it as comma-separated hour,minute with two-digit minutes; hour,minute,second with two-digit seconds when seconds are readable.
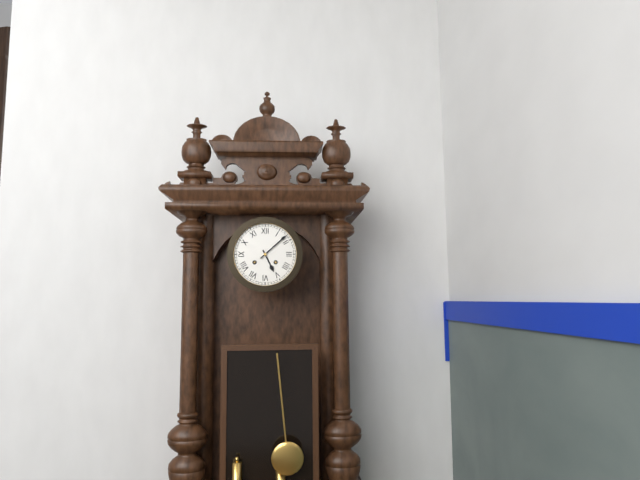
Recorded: 5,08
